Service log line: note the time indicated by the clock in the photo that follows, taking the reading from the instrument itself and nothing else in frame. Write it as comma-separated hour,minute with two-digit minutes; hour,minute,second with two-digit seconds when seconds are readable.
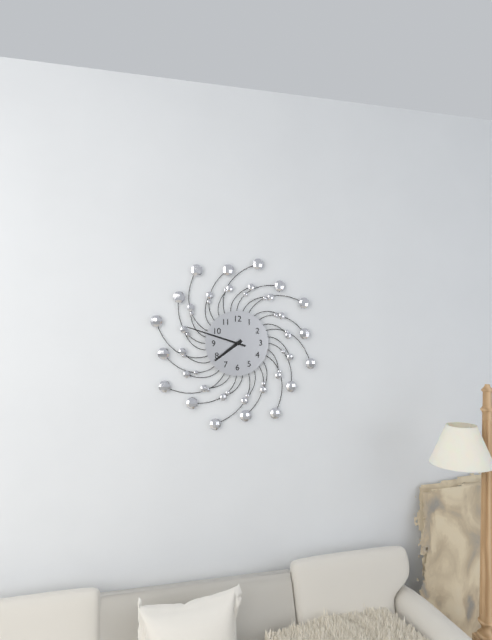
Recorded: 7,48
